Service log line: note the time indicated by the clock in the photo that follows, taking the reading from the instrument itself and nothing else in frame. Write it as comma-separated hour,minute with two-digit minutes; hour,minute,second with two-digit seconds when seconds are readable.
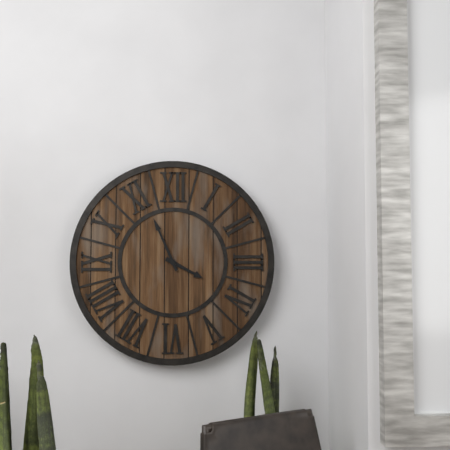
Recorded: 3,56
